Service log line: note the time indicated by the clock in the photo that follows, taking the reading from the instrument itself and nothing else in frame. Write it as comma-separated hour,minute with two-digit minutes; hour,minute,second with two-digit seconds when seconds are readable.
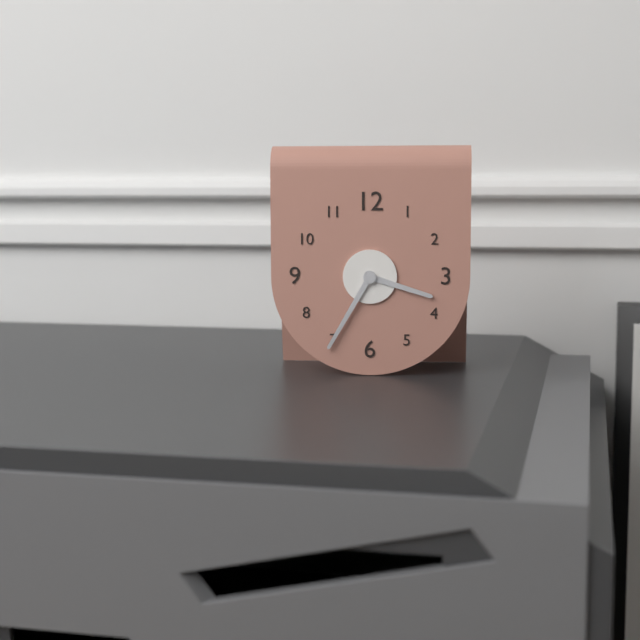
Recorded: 3,35
